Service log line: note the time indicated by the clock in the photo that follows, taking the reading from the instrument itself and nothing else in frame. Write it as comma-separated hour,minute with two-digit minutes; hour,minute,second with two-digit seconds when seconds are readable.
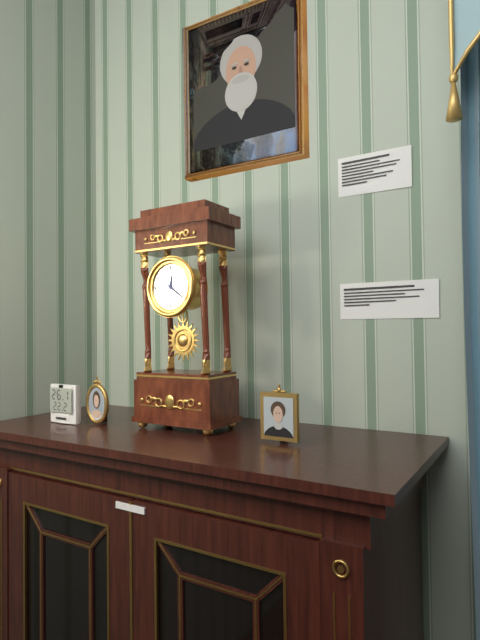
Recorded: 12,21
